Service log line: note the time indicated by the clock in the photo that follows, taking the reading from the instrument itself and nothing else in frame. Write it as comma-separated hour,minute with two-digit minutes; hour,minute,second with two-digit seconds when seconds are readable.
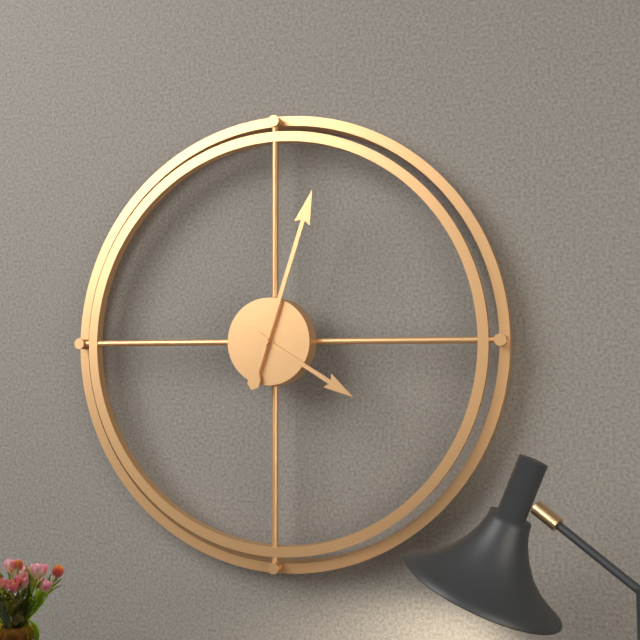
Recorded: 4,03
